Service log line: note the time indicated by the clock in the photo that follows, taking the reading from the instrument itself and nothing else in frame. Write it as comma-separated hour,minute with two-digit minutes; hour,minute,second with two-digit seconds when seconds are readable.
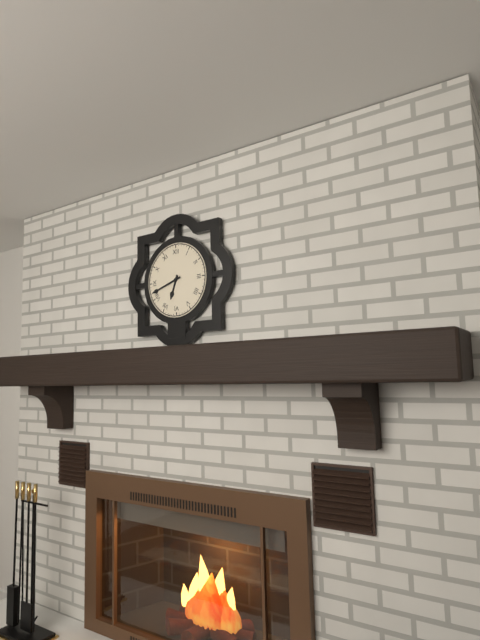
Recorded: 6,42
